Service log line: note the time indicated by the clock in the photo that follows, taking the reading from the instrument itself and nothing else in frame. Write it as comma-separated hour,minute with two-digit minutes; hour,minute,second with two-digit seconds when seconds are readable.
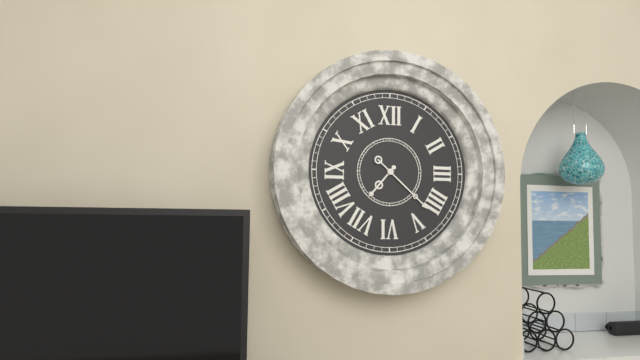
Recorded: 7,22
